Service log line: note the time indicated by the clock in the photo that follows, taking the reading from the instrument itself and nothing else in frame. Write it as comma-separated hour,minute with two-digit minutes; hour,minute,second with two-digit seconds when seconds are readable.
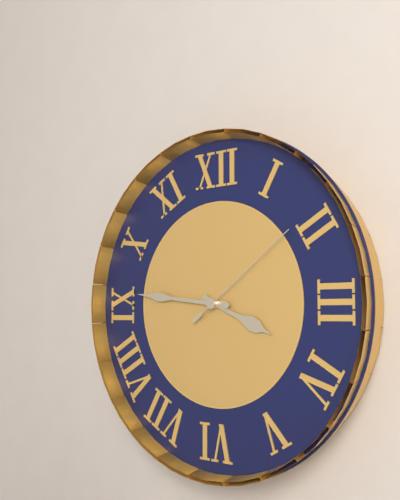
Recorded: 3,46,09
